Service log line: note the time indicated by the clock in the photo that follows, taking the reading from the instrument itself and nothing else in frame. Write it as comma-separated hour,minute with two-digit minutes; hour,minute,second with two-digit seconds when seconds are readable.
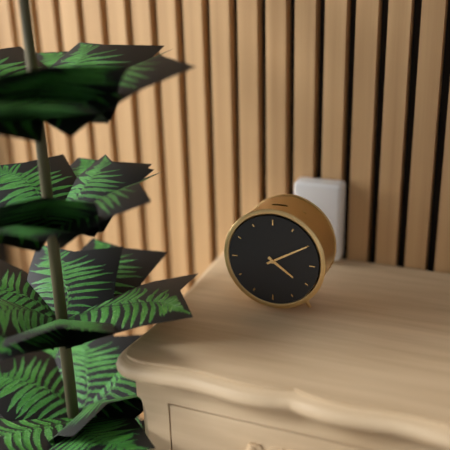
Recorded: 4,10
